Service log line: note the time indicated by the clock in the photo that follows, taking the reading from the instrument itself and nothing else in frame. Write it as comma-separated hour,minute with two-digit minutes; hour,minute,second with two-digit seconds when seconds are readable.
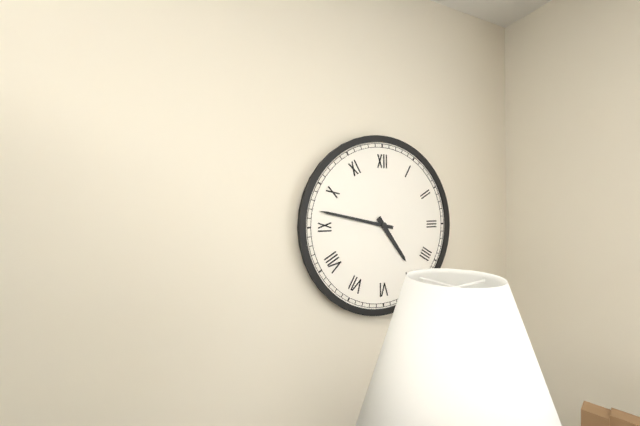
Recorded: 4,47
